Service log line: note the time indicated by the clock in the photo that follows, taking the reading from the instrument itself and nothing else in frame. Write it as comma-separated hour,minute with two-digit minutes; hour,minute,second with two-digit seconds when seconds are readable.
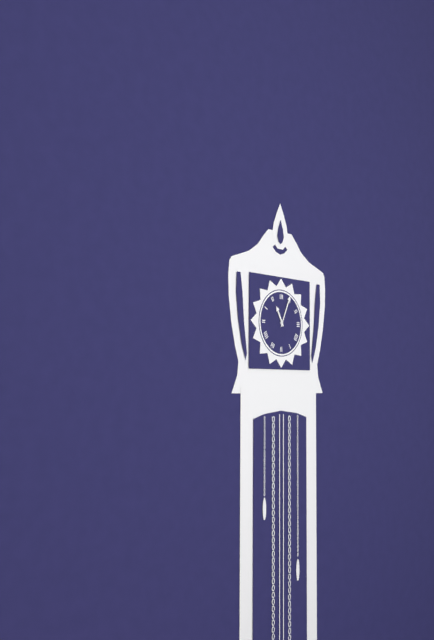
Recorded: 11,04
